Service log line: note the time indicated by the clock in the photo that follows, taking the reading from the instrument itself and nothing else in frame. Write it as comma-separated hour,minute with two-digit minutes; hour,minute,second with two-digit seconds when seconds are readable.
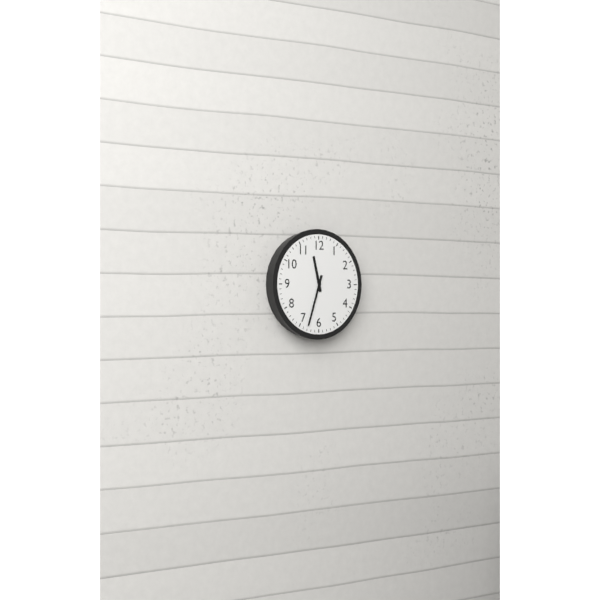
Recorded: 11,33
